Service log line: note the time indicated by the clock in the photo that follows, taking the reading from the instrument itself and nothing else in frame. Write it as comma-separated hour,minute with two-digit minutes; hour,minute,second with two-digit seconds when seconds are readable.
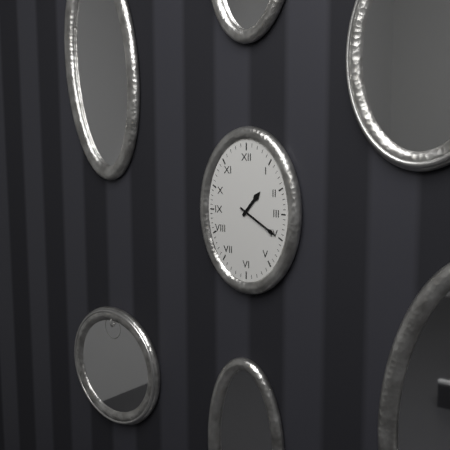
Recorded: 1,20
